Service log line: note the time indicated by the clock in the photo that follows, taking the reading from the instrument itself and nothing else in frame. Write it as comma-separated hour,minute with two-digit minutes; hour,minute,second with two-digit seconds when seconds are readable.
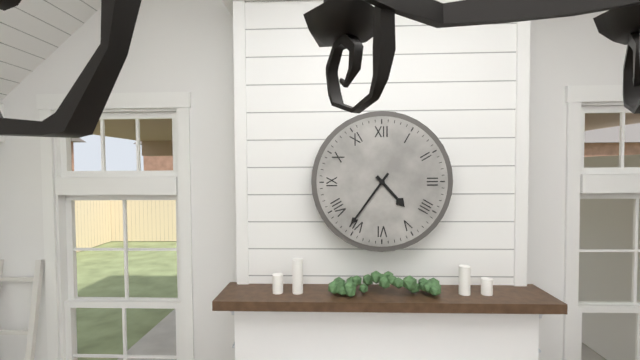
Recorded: 4,36
